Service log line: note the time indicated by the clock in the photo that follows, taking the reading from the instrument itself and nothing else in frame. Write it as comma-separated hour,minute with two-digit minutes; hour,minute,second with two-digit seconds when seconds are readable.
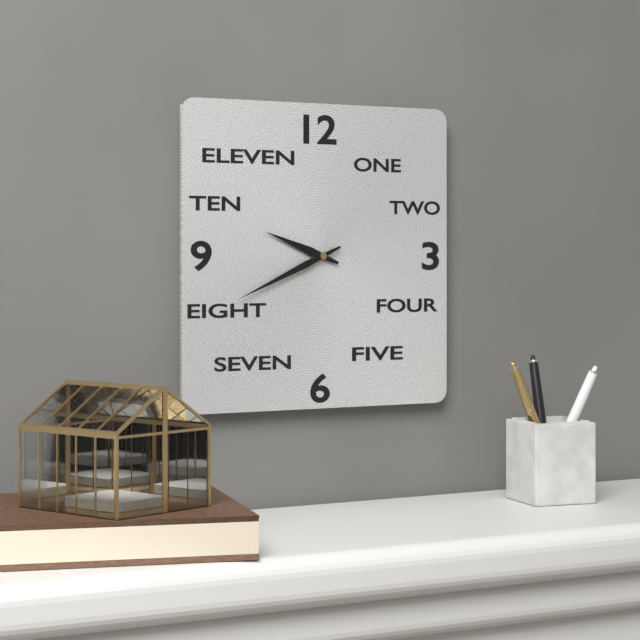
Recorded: 9,41
